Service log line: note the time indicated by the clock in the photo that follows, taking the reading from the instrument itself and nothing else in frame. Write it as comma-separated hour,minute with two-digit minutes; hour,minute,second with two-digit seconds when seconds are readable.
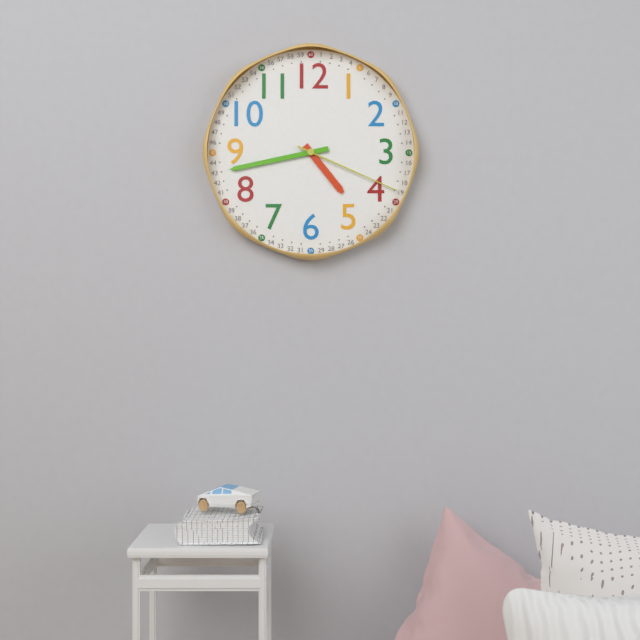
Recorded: 4,43,19
